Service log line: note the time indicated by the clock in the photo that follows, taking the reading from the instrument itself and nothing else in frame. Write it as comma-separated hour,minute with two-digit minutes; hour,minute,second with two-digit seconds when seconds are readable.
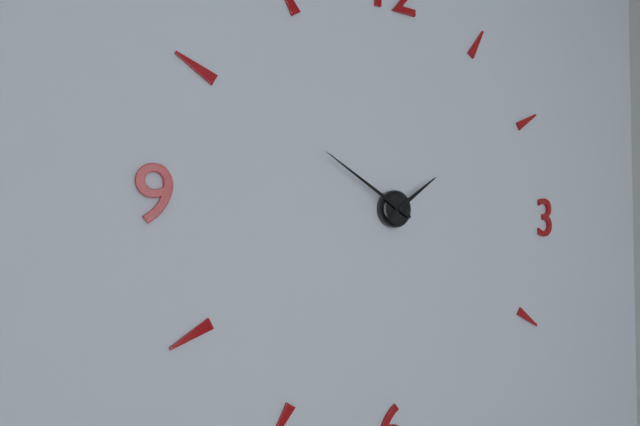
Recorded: 1,50
